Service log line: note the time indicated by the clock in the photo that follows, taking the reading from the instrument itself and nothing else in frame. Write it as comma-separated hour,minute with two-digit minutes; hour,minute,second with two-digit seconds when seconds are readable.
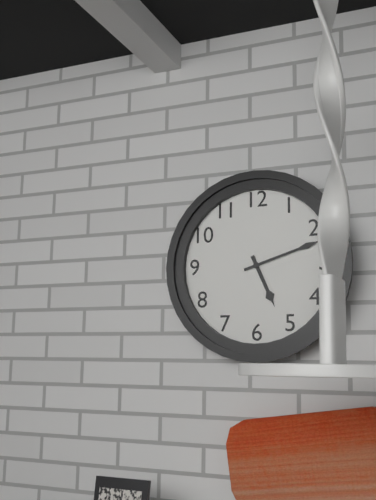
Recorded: 5,12
